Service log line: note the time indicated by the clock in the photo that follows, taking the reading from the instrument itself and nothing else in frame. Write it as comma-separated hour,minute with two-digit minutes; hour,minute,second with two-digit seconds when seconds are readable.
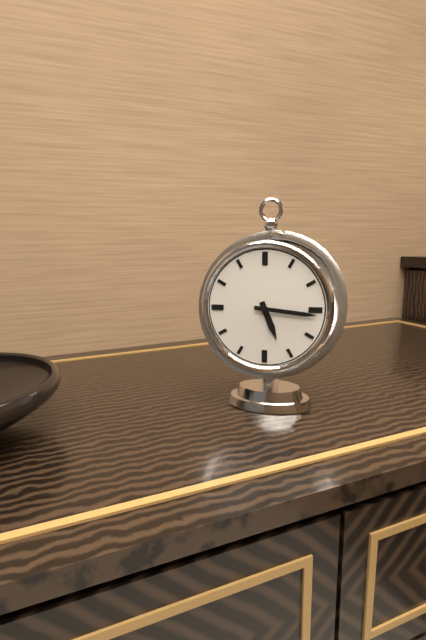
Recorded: 5,16
